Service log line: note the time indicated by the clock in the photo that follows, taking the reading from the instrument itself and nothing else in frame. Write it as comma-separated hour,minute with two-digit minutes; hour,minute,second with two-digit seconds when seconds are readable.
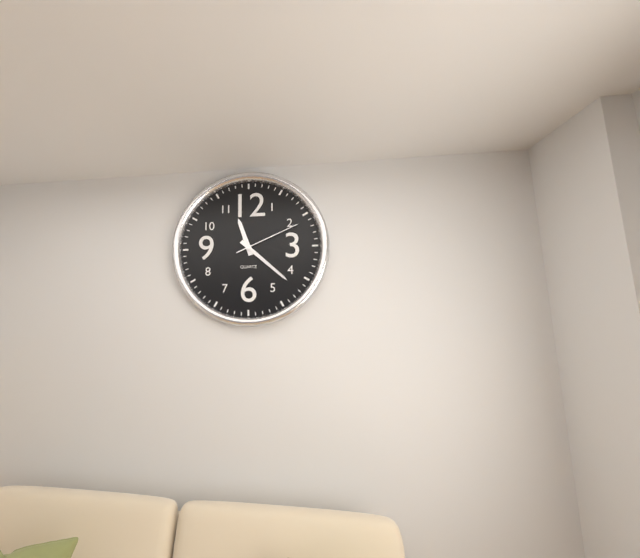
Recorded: 11,22,11
